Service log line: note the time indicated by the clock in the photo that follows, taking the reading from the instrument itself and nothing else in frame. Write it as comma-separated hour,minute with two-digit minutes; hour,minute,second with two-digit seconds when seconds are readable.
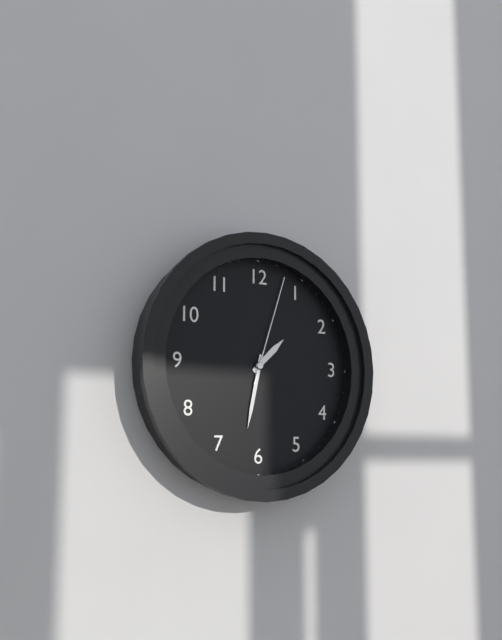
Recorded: 1,32,03
